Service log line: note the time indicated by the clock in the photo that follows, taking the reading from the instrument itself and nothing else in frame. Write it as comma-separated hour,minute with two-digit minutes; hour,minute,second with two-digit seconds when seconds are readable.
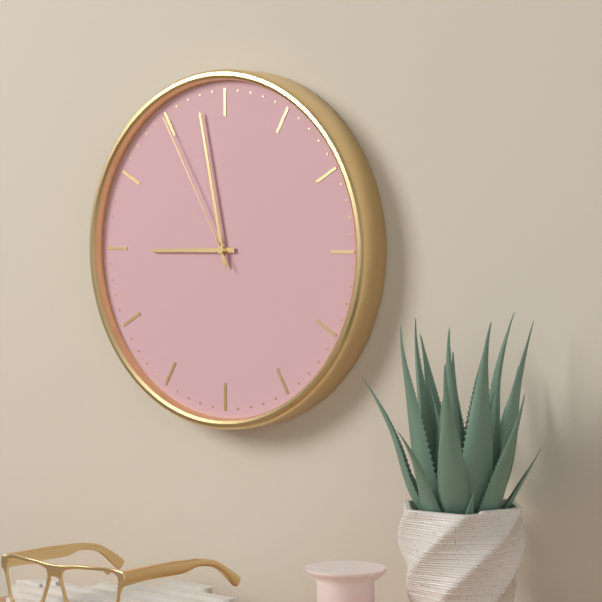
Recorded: 8,58,55
